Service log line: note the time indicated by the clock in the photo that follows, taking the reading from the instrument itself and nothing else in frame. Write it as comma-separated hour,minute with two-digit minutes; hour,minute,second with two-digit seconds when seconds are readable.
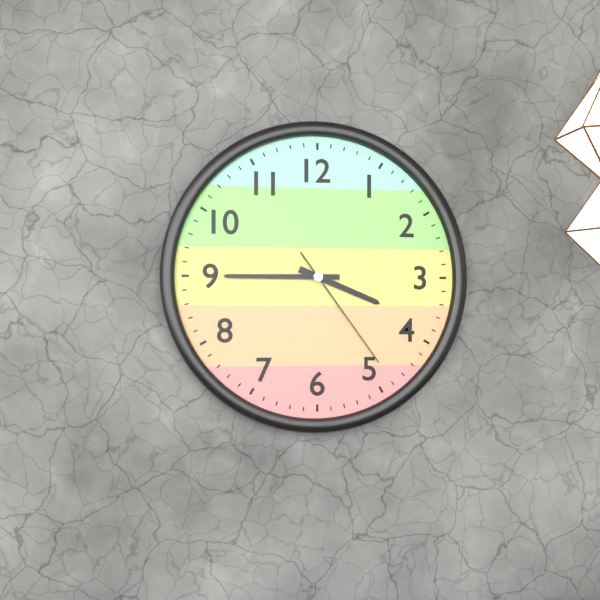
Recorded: 3,45,24
